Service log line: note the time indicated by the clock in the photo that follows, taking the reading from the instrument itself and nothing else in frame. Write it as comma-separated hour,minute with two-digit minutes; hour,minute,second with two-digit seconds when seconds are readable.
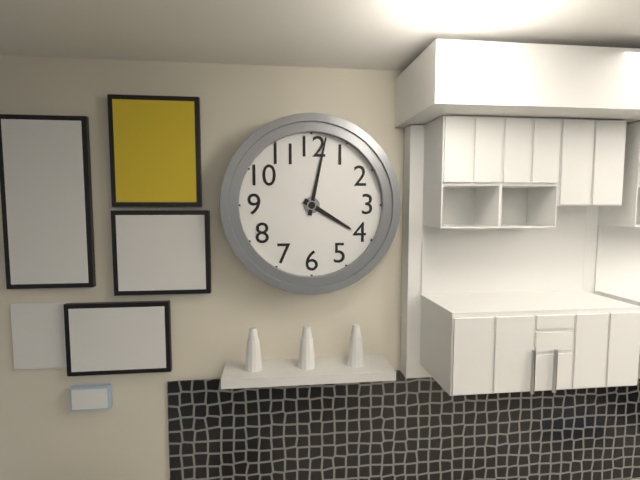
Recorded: 4,02
